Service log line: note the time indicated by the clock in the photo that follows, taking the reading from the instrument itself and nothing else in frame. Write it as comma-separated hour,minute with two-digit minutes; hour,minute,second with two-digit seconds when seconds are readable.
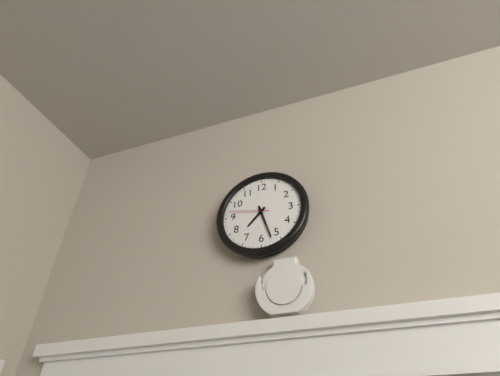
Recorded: 7,27
